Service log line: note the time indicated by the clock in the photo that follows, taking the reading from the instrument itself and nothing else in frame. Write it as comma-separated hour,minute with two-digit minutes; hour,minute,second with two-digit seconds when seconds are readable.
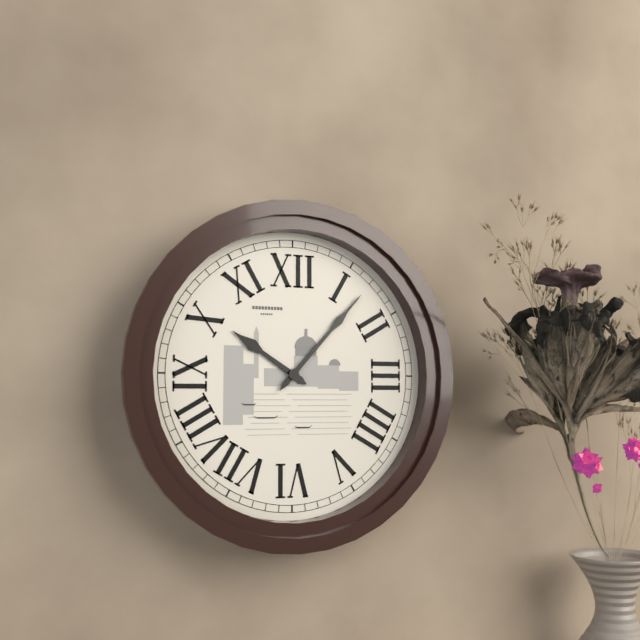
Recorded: 10,07
